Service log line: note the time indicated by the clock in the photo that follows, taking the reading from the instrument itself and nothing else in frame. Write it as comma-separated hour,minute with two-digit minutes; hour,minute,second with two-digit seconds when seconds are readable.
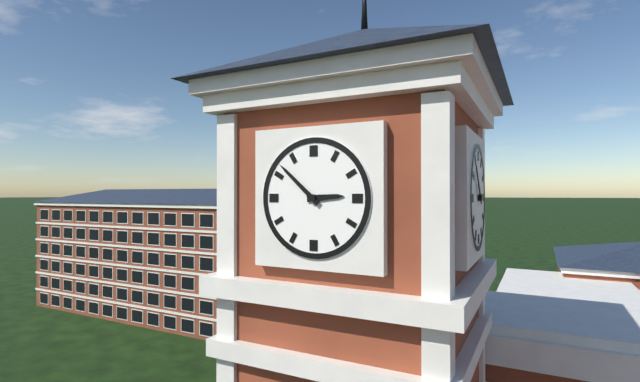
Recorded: 2,52
